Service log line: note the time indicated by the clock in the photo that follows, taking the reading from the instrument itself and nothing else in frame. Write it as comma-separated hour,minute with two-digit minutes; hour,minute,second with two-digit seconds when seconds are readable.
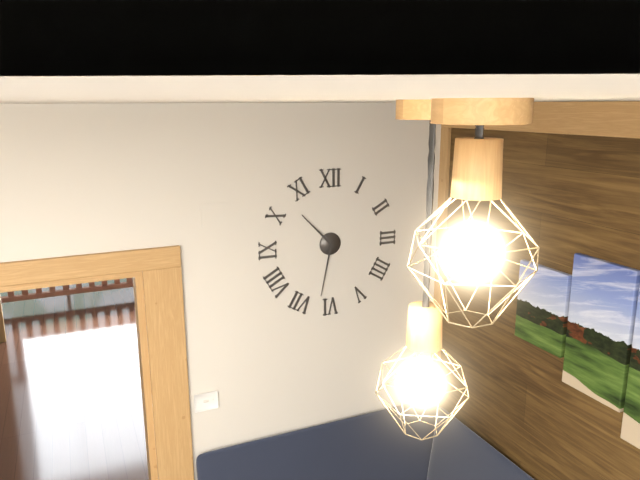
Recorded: 10,32
